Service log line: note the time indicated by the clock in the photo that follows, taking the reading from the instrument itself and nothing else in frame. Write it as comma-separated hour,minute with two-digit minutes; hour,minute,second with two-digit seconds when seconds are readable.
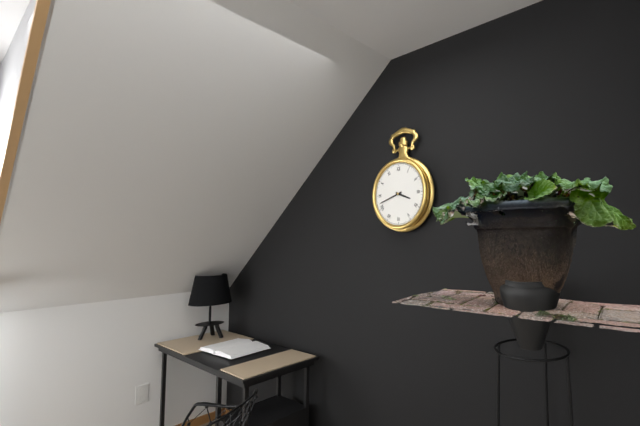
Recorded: 3,42
